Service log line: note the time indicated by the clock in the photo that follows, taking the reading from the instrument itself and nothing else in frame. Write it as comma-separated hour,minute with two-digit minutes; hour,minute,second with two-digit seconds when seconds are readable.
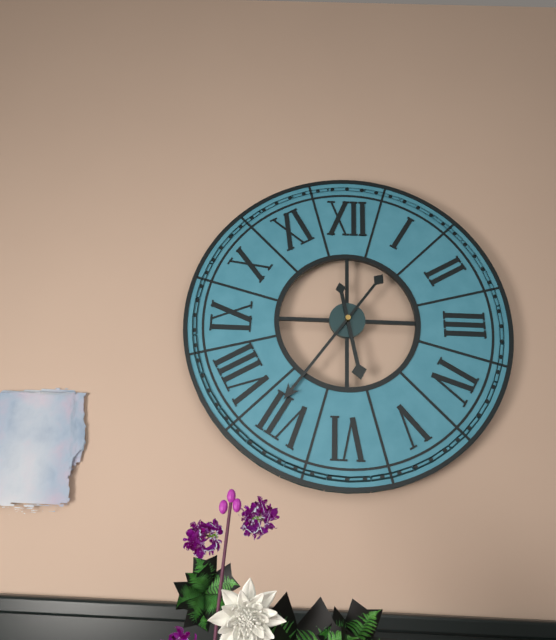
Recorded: 5,36
